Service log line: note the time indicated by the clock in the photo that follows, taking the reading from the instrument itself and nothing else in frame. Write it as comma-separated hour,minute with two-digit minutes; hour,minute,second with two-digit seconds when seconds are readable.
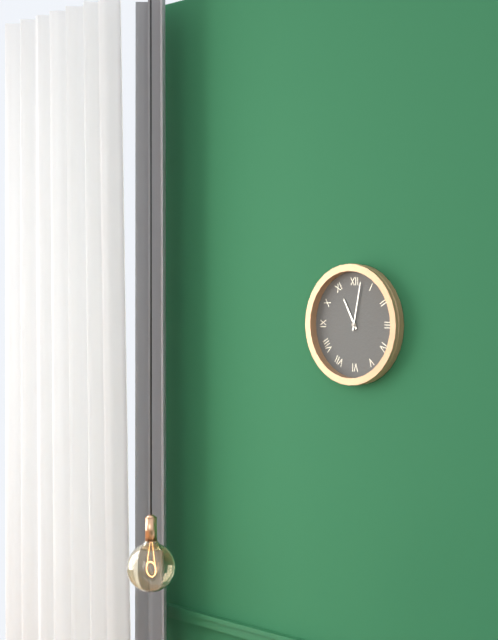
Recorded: 11,02
